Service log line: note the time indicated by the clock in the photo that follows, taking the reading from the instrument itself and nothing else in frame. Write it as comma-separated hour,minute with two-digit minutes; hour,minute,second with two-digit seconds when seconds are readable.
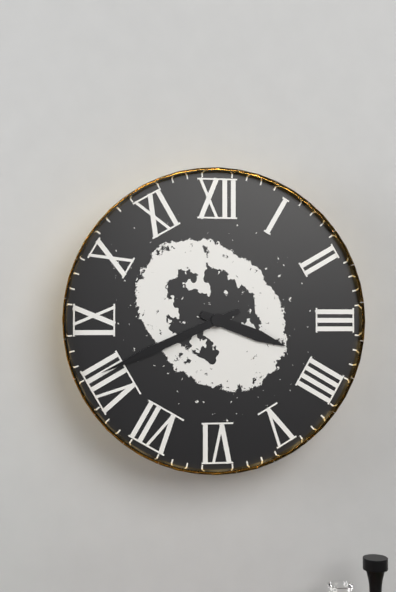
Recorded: 3,41
